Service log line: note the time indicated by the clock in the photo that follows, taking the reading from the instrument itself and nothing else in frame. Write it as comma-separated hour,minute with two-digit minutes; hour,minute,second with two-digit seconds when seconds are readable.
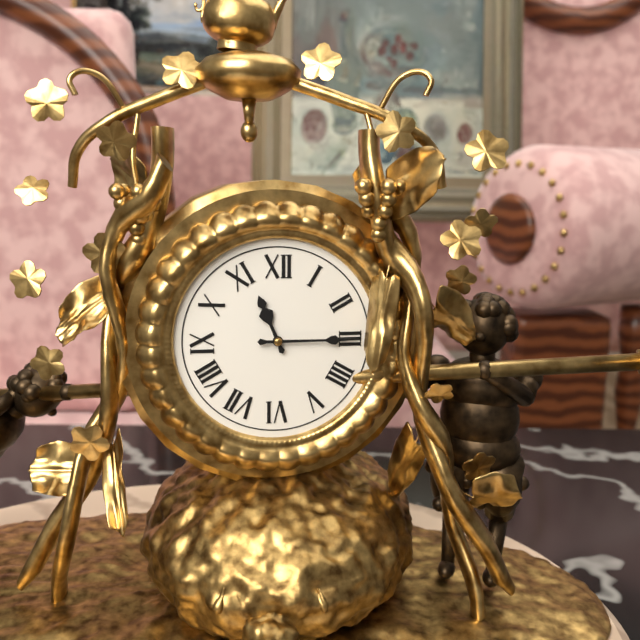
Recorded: 11,15
